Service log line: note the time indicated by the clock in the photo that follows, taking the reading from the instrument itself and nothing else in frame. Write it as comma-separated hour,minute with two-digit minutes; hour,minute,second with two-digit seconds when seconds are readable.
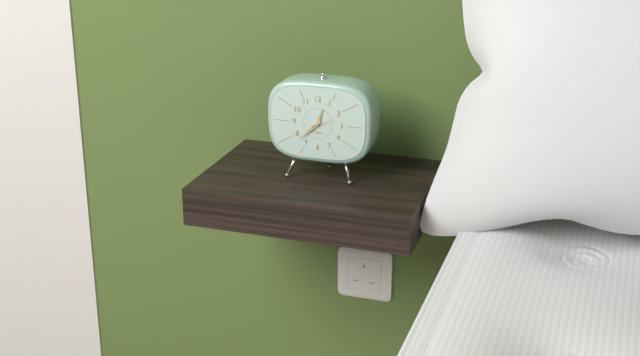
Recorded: 12,38
